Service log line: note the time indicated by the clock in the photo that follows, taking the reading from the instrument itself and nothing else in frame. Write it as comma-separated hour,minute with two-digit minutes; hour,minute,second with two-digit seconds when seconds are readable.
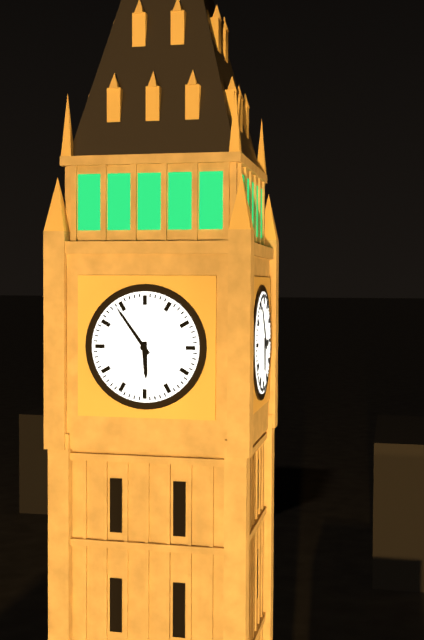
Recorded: 5,54
